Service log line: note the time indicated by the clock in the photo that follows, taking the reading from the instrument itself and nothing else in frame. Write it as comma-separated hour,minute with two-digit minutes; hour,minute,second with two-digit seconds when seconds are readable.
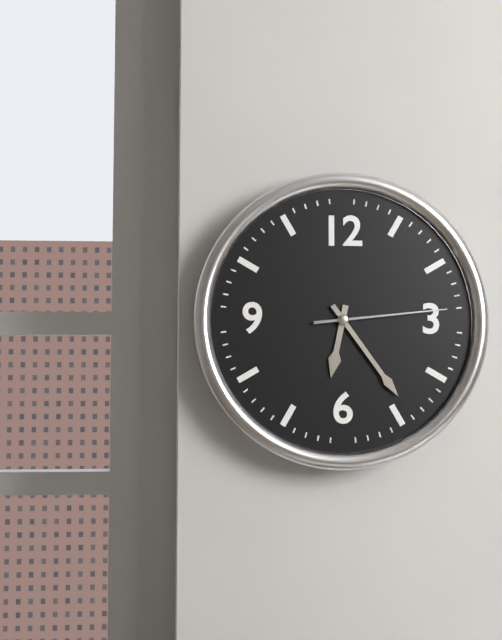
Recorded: 6,24,14
